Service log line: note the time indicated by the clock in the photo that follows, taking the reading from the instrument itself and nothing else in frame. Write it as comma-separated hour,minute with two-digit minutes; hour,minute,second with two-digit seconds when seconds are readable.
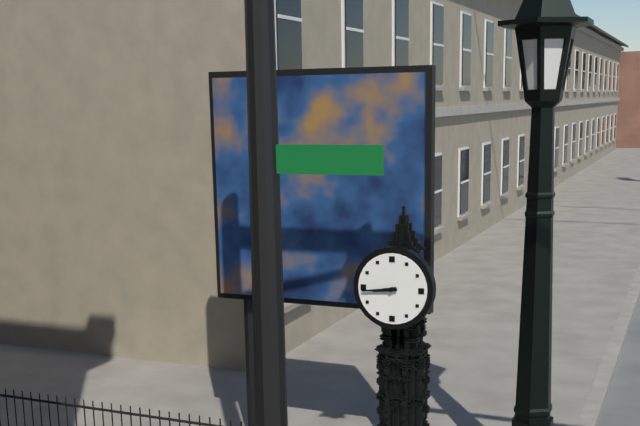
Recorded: 8,44
